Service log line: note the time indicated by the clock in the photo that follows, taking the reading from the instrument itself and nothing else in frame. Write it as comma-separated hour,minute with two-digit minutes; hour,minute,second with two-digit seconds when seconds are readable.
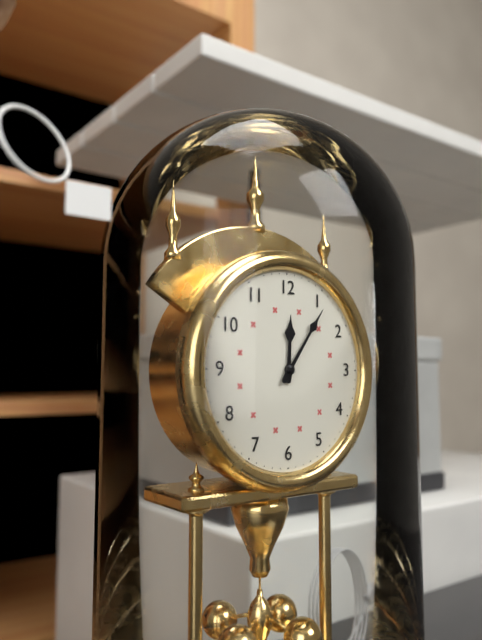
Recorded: 12,06
